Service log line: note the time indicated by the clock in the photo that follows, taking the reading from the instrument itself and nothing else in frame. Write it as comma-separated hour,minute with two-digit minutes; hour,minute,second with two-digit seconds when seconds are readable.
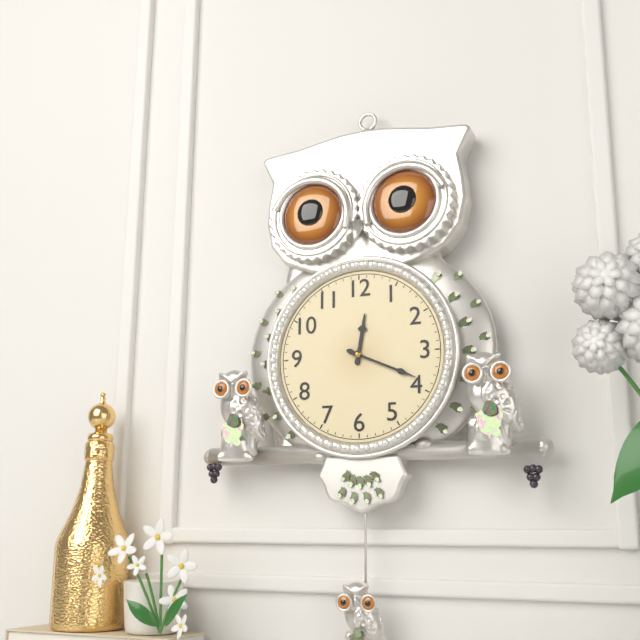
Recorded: 12,19
